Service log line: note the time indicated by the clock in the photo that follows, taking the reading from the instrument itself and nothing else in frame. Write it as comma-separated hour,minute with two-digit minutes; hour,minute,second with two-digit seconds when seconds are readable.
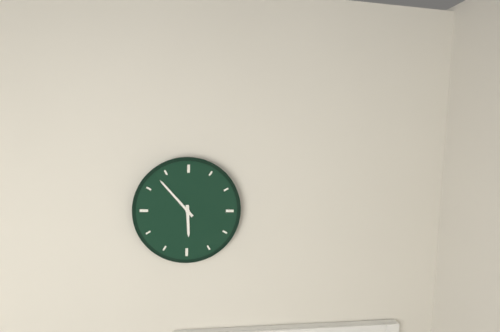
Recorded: 5,53
